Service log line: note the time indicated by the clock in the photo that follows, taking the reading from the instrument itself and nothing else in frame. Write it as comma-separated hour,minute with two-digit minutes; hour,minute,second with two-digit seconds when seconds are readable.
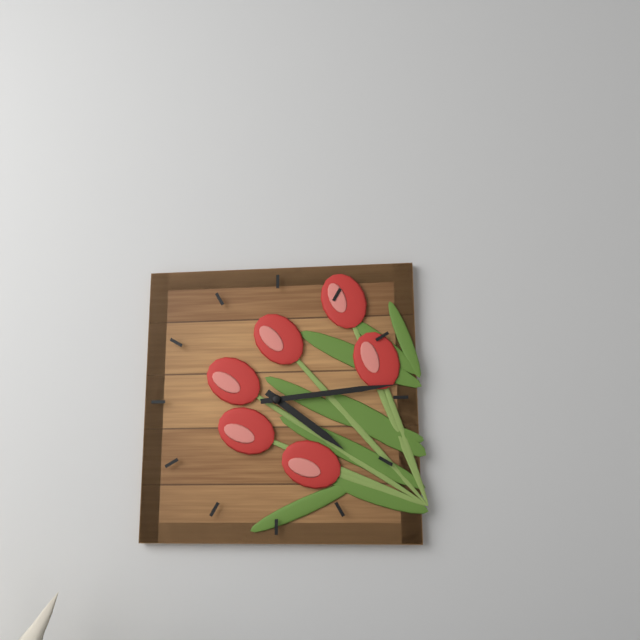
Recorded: 4,14
